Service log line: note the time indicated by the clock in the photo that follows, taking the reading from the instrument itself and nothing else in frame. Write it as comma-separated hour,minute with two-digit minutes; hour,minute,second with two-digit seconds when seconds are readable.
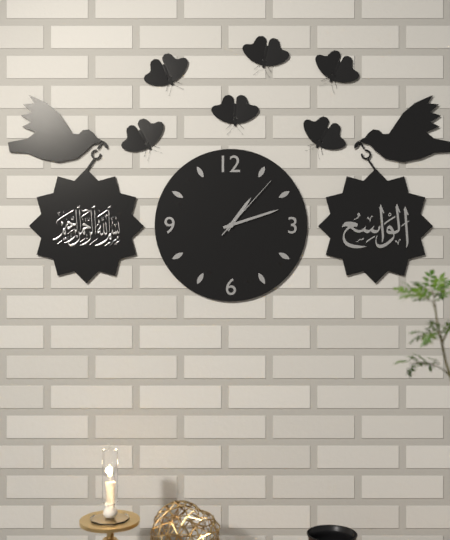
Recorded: 1,12,07
